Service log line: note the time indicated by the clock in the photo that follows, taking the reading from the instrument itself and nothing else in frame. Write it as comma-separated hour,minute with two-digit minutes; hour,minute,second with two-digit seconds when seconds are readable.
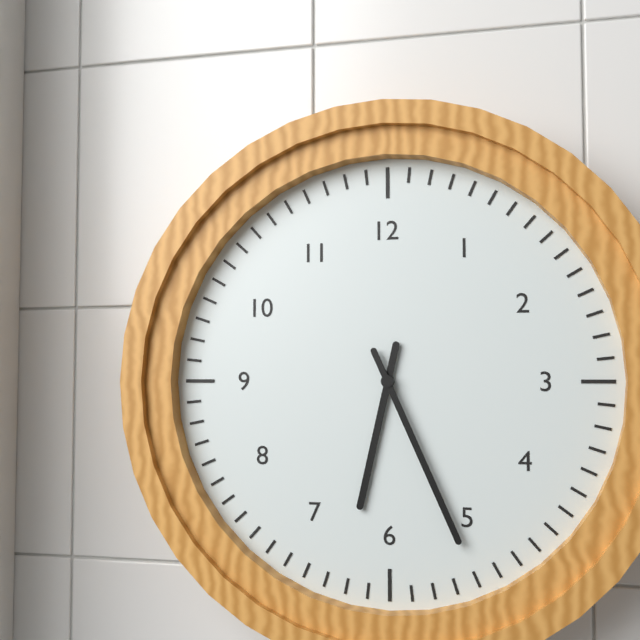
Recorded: 6,26
